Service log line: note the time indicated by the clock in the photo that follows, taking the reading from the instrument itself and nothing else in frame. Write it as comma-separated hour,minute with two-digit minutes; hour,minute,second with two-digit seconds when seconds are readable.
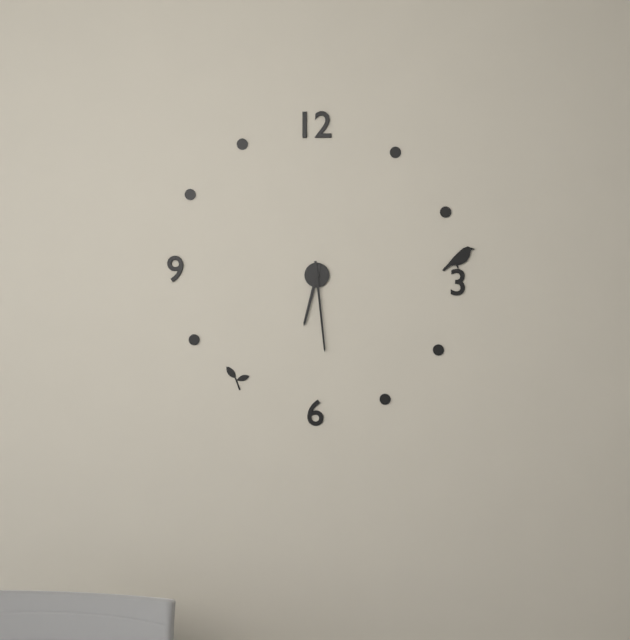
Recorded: 6,29
